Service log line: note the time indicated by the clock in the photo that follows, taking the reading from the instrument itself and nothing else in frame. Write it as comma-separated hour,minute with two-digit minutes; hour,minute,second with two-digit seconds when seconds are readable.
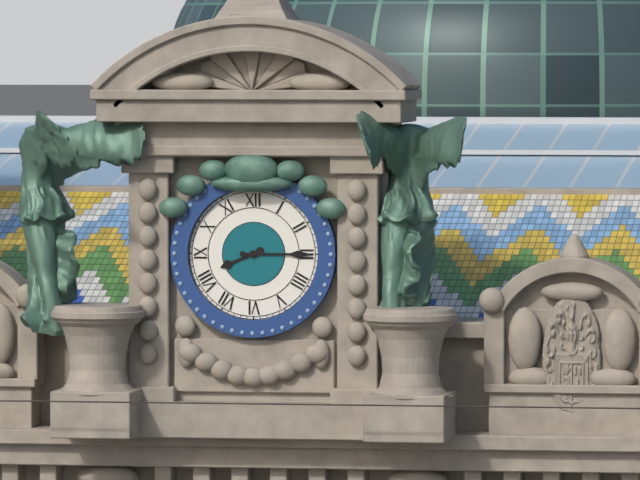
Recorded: 8,15
